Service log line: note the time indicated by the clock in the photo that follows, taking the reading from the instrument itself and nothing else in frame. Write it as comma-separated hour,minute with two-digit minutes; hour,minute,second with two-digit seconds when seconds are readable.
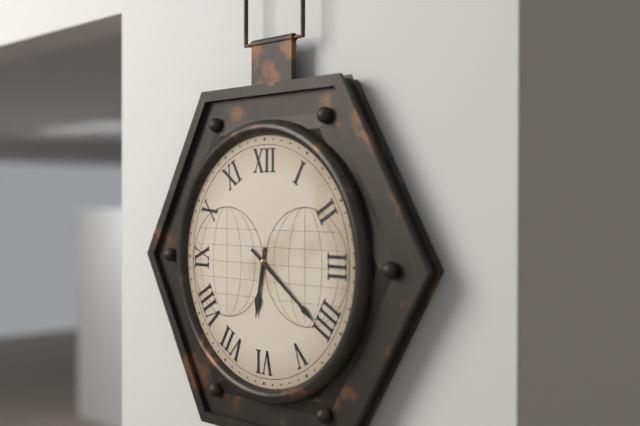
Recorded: 6,21
